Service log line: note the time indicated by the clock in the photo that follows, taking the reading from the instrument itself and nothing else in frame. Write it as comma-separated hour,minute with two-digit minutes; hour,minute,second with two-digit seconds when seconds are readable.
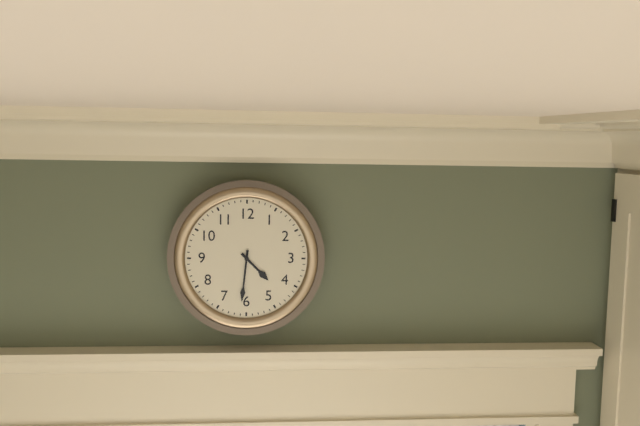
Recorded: 4,31
